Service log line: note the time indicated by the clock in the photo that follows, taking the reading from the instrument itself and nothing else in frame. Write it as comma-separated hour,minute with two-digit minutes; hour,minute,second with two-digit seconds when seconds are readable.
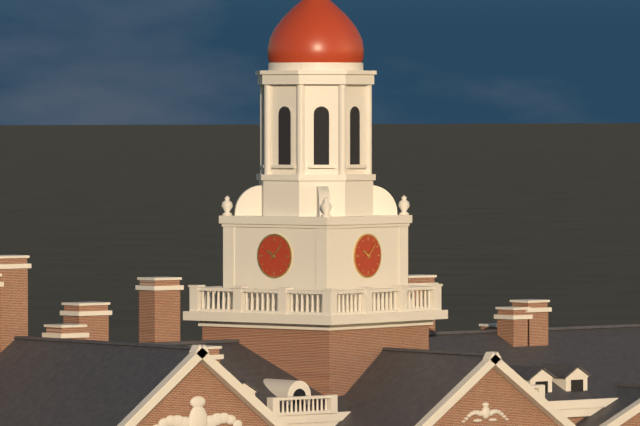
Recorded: 10,07
